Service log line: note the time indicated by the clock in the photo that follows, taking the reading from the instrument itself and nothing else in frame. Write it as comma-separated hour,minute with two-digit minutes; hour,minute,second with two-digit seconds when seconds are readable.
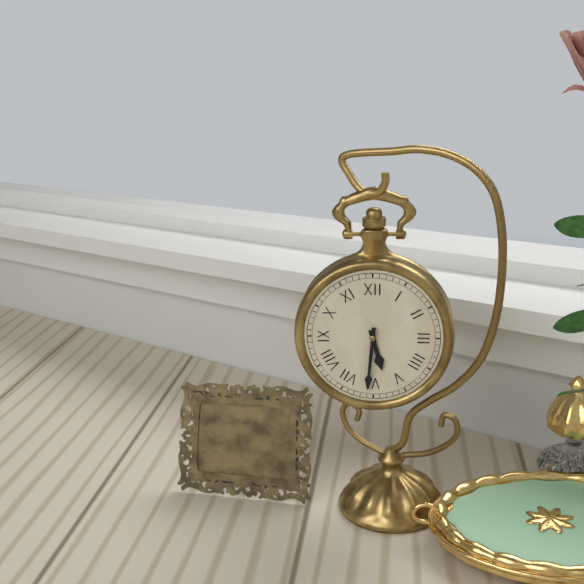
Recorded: 5,31
